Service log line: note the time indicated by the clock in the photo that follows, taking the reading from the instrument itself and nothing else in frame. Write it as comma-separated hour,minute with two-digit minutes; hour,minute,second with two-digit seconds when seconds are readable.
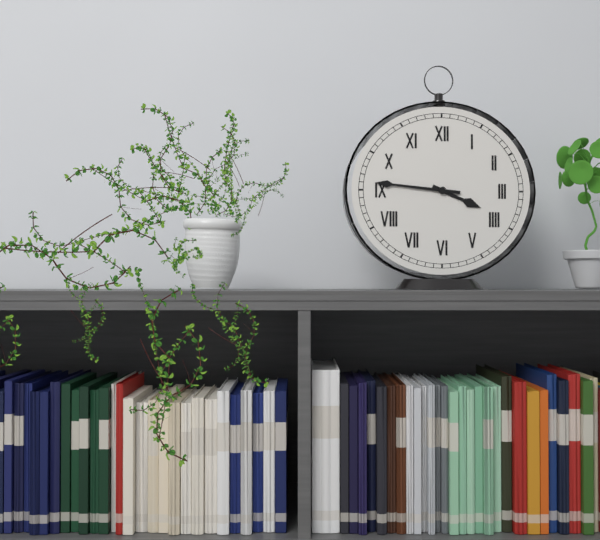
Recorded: 3,46
